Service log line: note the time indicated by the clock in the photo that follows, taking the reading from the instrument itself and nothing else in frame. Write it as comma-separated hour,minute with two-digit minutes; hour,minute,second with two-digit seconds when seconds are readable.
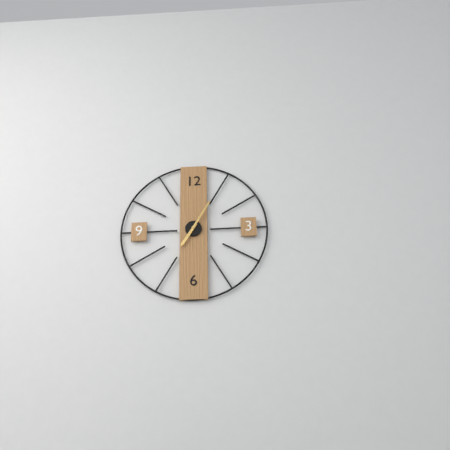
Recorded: 7,05
